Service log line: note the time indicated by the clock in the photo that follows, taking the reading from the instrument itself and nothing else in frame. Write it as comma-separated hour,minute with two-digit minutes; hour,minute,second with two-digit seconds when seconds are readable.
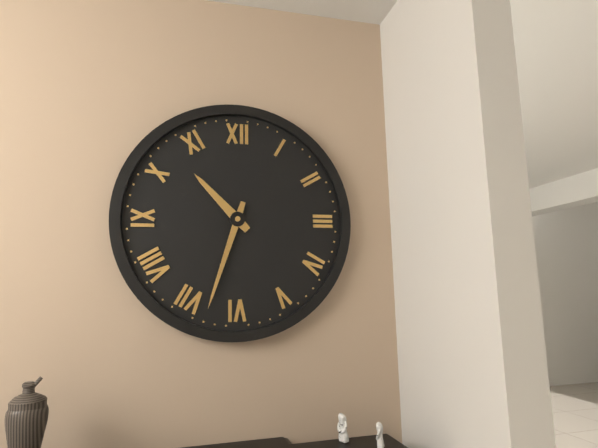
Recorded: 10,33
